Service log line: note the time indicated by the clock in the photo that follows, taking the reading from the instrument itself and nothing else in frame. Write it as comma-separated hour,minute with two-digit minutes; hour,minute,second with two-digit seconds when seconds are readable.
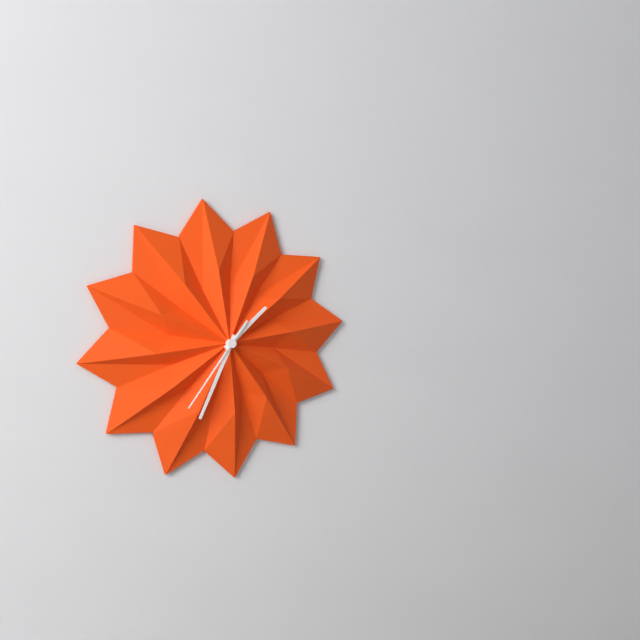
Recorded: 1,34,36
